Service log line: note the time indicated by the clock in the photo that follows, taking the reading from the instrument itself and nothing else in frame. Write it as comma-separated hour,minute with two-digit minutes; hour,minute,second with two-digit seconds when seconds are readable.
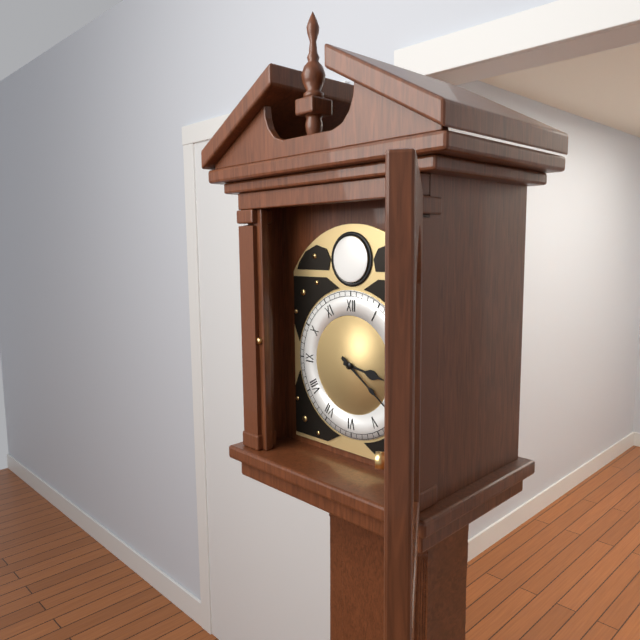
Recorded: 3,21
